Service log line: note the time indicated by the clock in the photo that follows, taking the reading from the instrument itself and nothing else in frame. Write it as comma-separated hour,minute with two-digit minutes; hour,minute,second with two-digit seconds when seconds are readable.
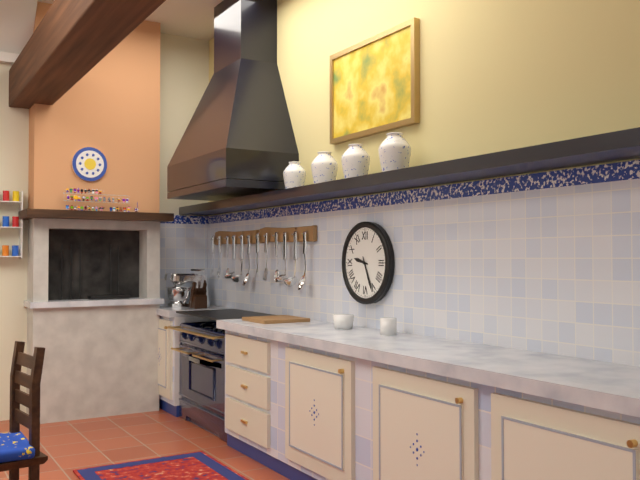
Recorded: 9,26
